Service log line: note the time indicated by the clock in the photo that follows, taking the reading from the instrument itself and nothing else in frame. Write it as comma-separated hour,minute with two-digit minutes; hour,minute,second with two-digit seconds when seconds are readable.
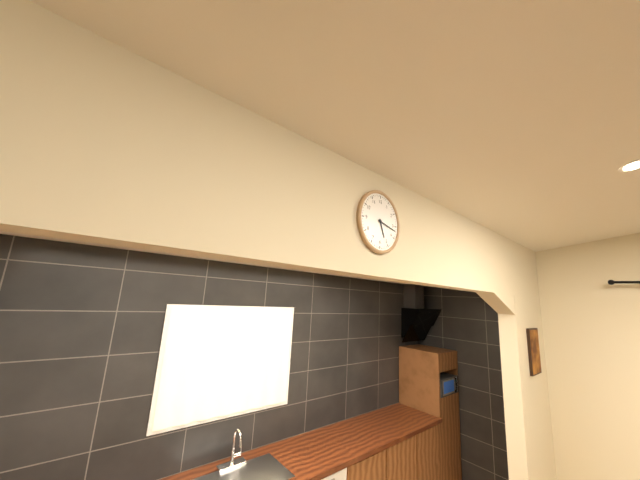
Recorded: 5,17
